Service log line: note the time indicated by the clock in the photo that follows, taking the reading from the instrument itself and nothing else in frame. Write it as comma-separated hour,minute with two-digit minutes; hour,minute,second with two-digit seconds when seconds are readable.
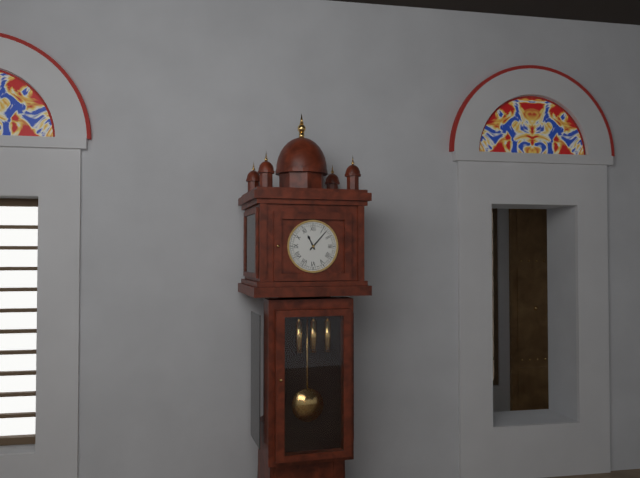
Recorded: 11,07
